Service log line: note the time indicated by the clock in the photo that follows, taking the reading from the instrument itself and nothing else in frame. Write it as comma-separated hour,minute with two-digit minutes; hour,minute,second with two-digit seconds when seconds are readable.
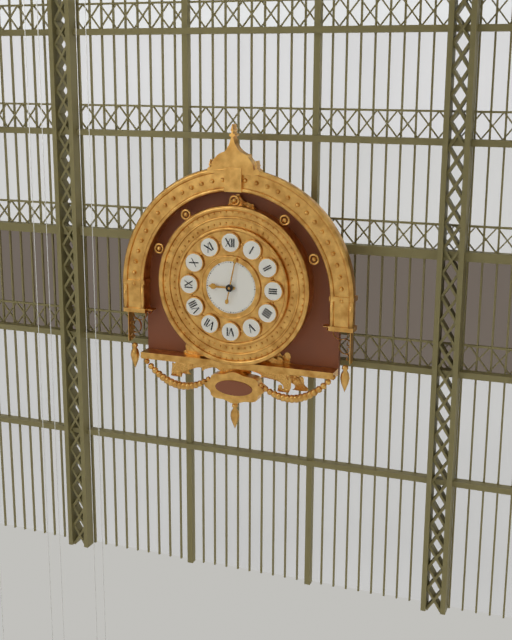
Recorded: 9,02
